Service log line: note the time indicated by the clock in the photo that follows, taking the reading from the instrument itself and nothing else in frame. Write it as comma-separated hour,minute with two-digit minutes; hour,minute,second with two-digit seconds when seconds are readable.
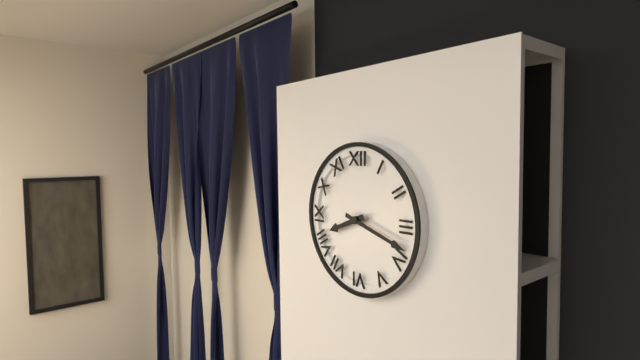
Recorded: 8,18
